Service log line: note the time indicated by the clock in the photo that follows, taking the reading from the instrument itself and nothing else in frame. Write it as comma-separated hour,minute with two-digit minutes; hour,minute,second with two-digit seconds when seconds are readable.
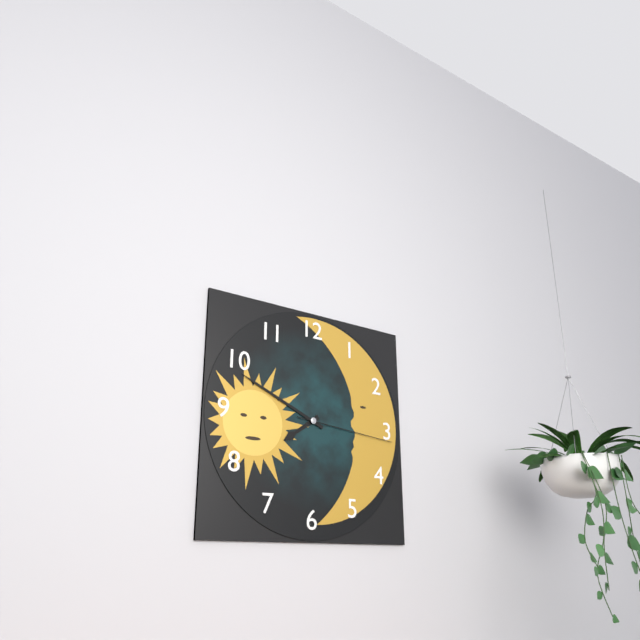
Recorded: 7,49,16
